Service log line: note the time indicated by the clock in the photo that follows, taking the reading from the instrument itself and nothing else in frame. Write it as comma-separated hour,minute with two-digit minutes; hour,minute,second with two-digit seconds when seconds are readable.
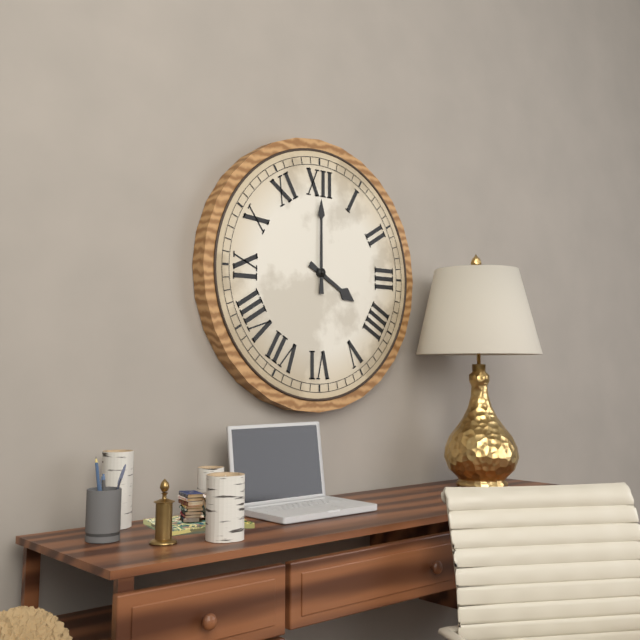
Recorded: 4,00
